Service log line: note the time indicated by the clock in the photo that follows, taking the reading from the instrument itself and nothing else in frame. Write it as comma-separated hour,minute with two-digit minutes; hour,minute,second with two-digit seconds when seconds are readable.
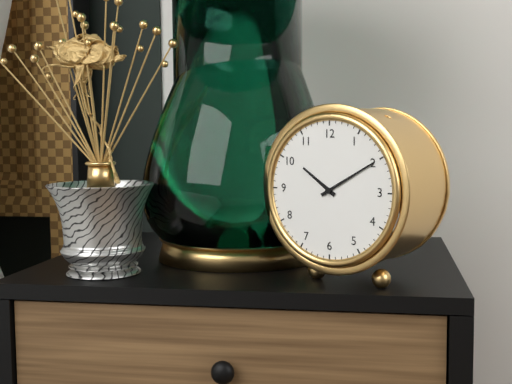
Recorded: 10,10
